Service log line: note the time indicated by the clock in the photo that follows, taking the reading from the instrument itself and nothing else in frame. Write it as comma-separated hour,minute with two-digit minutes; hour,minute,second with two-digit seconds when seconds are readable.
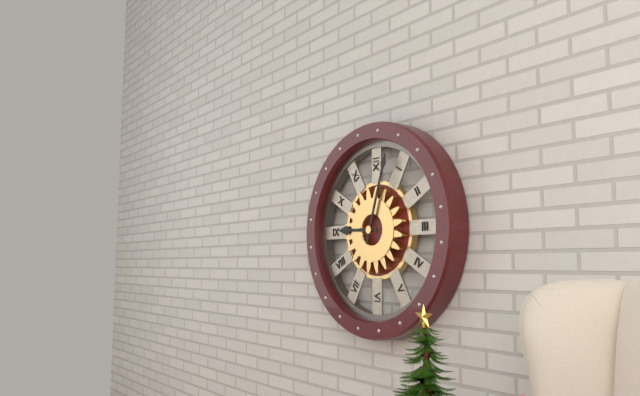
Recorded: 9,03
